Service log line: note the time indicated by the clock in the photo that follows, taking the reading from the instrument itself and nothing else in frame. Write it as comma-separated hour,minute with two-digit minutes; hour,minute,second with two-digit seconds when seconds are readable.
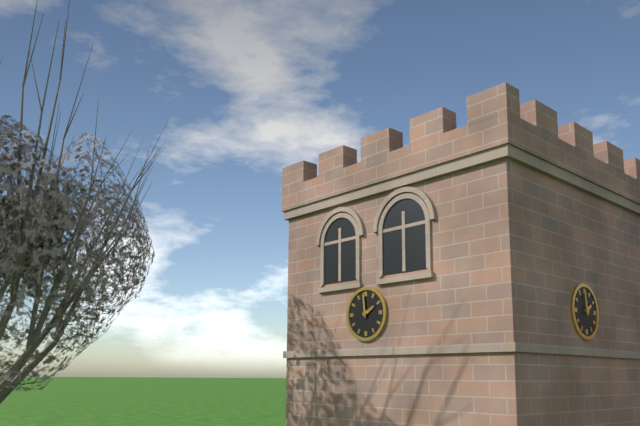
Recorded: 1,59
